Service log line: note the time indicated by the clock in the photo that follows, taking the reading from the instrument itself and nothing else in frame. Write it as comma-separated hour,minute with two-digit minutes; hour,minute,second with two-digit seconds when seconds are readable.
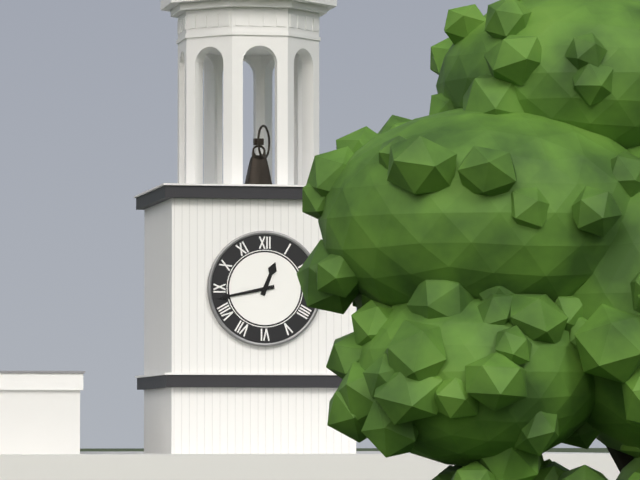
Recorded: 12,43
